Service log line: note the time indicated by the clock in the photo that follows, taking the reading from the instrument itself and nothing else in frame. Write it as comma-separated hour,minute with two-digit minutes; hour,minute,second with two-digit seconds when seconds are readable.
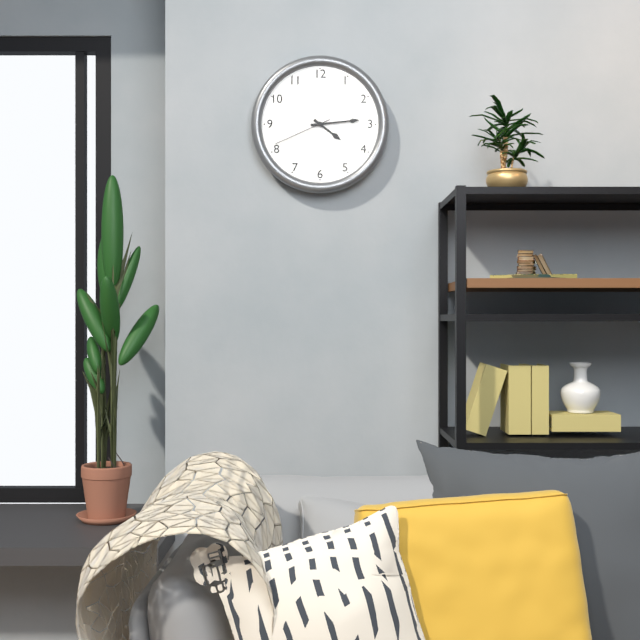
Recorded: 4,14,41
